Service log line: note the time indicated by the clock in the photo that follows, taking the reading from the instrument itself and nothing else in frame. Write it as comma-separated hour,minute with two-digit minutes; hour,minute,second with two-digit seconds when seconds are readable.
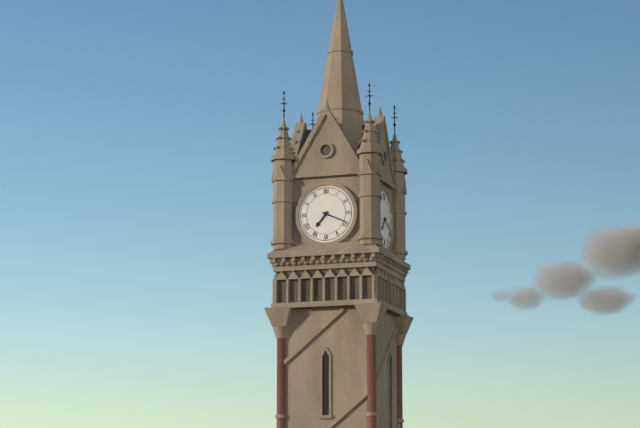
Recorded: 7,19
